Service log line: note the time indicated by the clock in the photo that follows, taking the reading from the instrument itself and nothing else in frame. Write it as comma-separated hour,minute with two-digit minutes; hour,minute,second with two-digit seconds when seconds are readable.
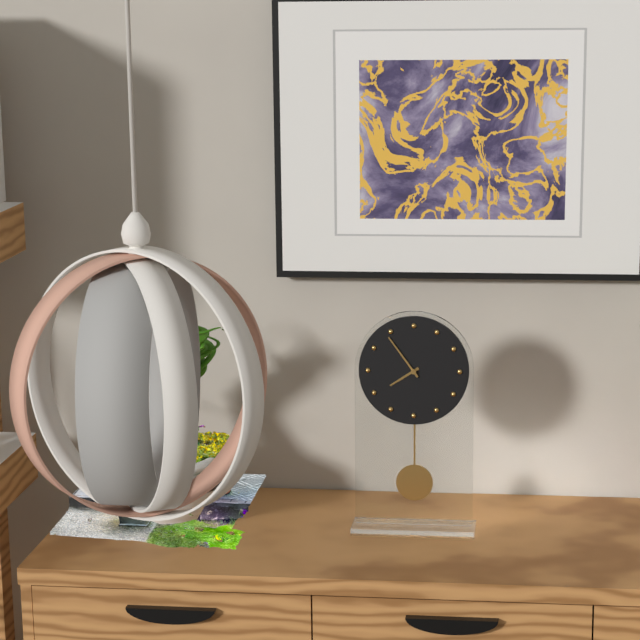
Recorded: 7,54
